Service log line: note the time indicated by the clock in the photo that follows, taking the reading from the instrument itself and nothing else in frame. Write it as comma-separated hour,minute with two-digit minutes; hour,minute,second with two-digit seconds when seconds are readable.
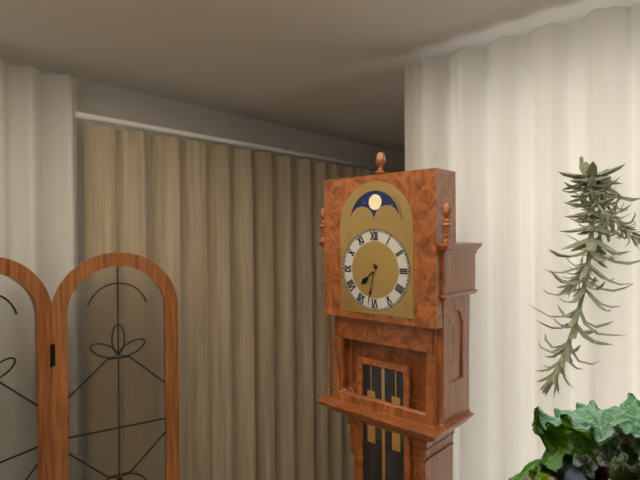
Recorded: 7,32
